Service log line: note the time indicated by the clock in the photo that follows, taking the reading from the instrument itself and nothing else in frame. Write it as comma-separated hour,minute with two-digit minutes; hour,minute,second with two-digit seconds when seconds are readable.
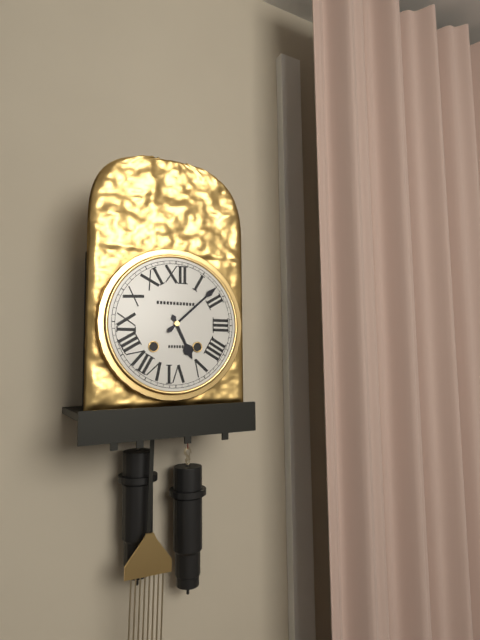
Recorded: 5,08
